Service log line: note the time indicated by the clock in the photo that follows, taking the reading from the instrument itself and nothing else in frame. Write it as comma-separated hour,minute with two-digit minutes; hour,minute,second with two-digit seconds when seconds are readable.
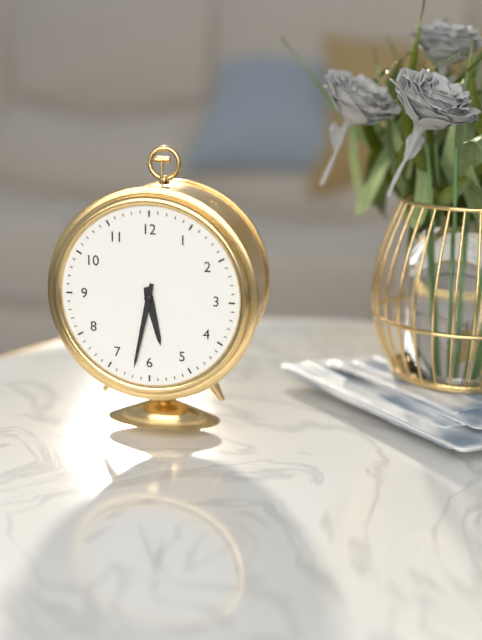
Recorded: 5,32
